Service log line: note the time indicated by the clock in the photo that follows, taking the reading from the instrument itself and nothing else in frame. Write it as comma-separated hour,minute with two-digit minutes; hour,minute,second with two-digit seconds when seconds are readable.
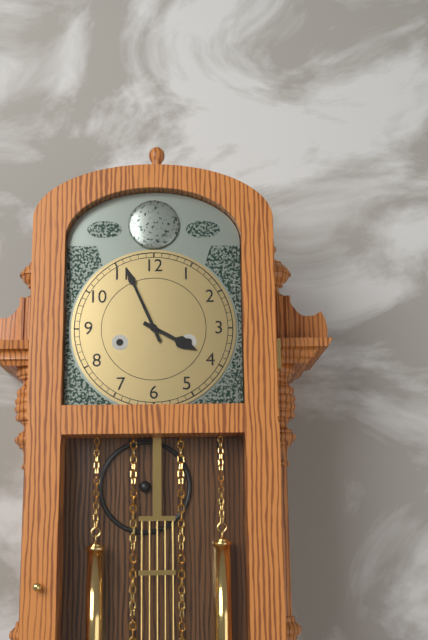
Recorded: 3,56
